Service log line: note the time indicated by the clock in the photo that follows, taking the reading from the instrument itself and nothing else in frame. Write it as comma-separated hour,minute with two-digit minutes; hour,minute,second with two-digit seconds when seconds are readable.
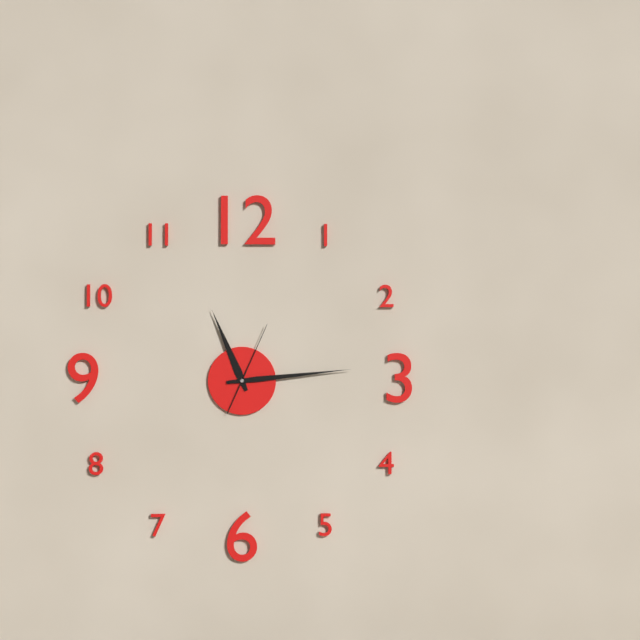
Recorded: 11,14,04
